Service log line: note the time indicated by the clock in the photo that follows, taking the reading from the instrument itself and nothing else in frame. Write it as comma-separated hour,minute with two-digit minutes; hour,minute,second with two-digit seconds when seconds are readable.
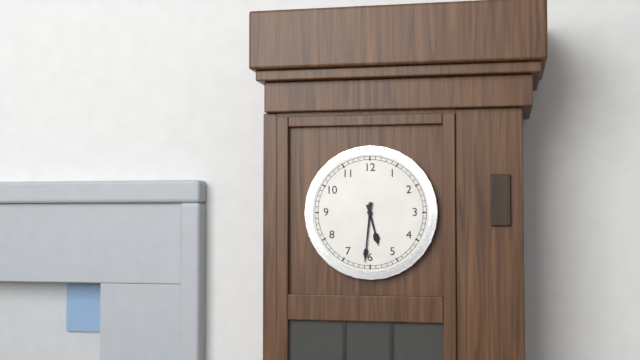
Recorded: 5,31
